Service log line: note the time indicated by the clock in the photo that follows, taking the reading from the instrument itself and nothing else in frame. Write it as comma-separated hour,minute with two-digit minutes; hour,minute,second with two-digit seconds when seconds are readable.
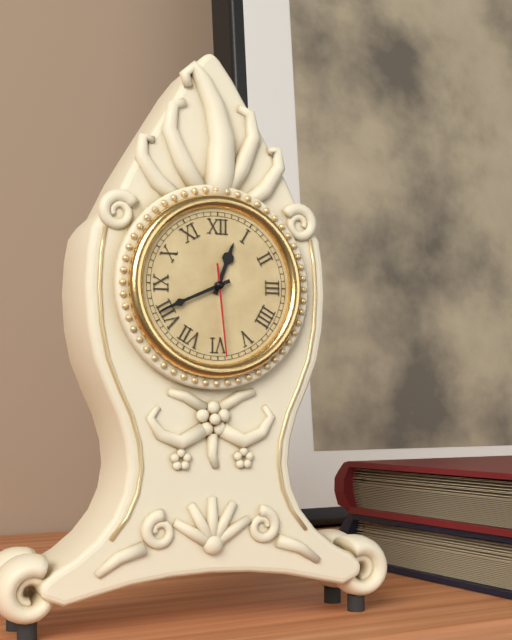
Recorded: 12,41,29
